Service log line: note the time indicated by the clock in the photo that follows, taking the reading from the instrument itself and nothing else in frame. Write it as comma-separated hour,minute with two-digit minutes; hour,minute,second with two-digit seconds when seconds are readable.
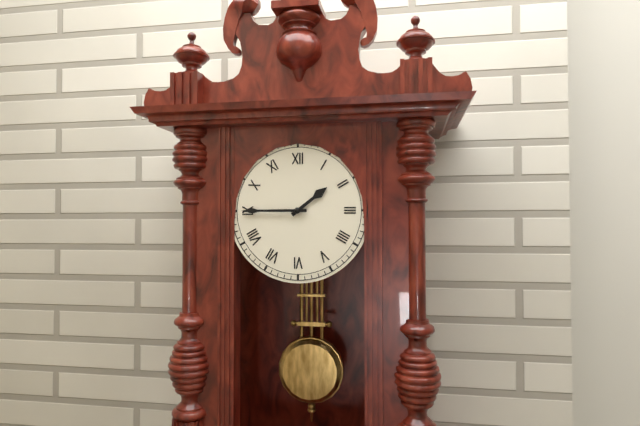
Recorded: 1,45
